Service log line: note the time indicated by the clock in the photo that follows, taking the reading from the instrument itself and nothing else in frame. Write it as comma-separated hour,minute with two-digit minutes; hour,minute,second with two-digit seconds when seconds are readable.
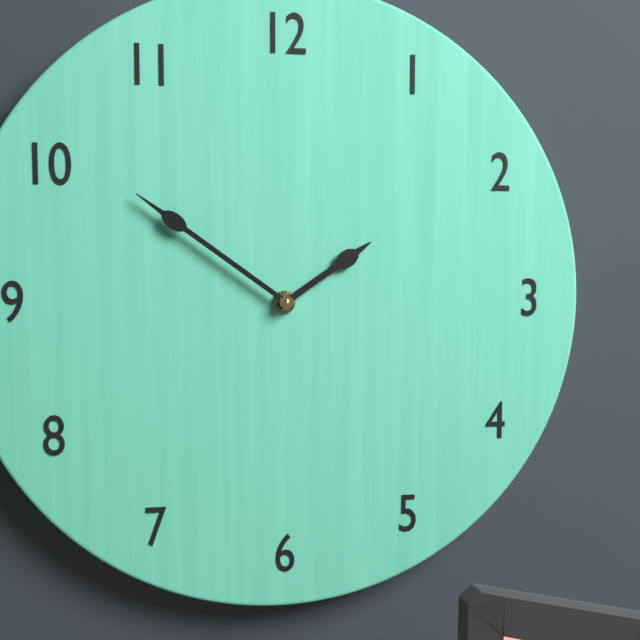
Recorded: 1,51
